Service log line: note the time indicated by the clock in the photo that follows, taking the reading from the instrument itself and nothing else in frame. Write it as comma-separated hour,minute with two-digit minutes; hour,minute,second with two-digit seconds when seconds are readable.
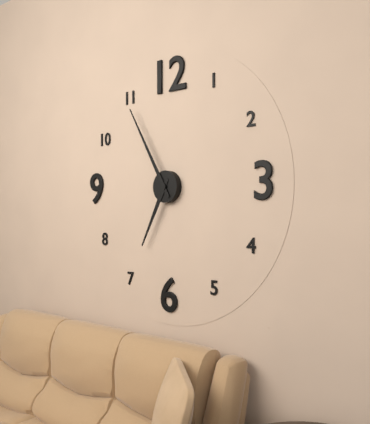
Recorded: 6,55
